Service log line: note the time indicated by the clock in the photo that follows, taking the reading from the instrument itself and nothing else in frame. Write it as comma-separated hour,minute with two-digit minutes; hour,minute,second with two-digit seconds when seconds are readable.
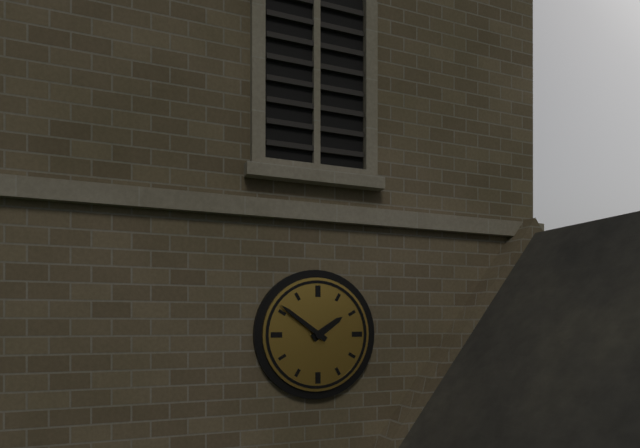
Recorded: 1,51
